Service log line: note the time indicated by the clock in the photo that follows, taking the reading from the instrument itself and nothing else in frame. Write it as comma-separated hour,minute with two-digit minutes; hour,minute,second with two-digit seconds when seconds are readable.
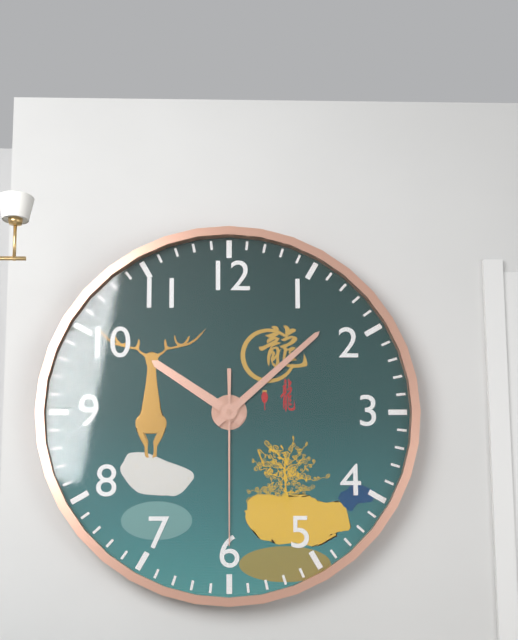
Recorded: 10,08,30
